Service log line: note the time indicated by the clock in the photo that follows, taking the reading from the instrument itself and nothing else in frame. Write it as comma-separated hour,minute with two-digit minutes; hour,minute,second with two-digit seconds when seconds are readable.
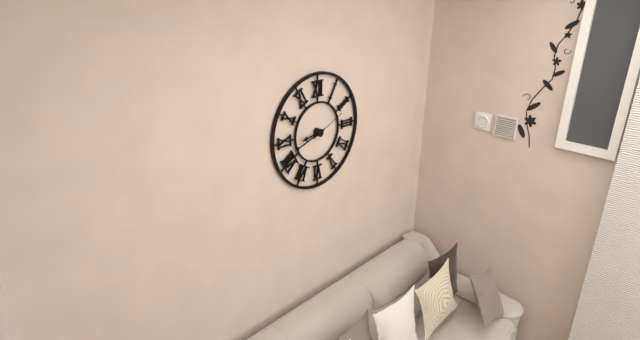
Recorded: 8,42
